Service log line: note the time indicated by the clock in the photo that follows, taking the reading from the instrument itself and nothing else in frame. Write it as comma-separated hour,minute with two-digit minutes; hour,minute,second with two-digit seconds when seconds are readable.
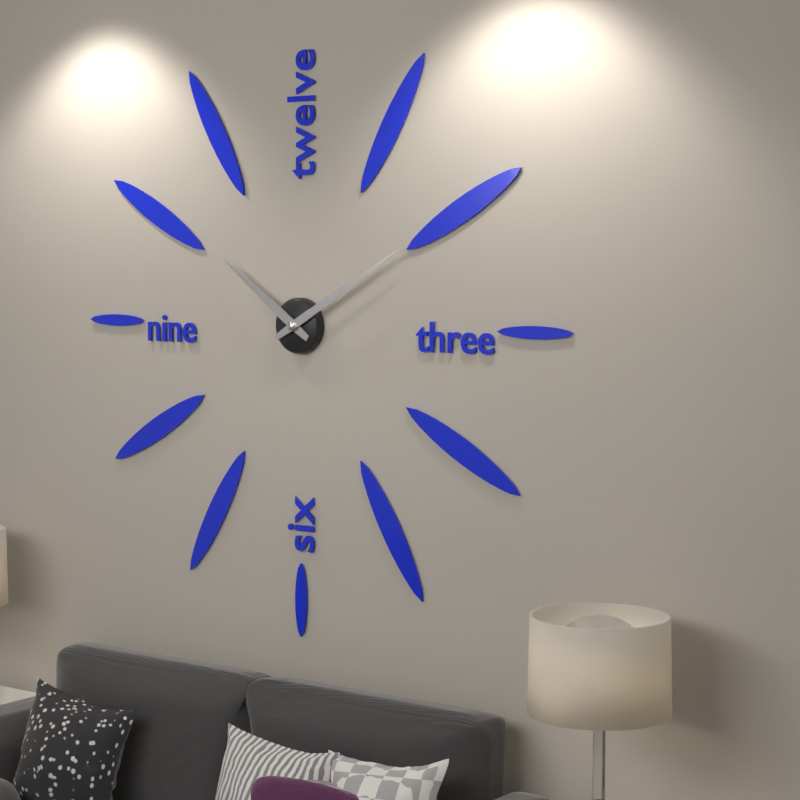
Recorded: 10,10
